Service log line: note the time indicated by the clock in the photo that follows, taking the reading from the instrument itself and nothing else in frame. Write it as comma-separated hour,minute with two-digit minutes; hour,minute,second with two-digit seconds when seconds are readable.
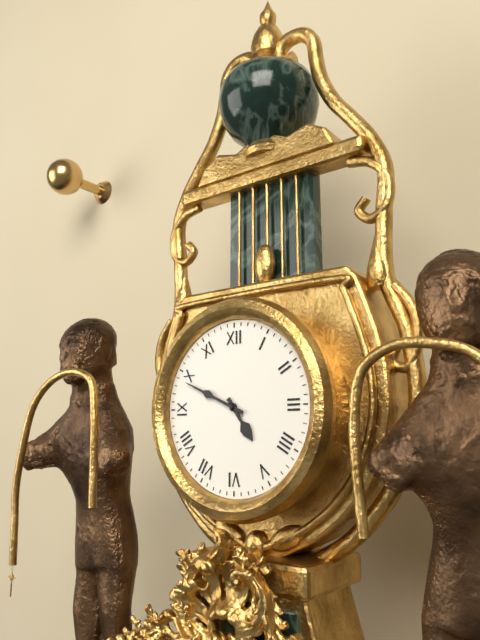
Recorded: 4,49
